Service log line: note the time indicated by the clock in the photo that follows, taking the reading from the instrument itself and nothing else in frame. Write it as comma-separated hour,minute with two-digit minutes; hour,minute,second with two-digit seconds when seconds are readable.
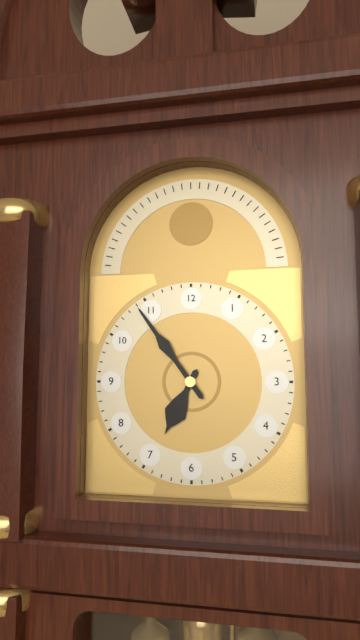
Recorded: 6,54
